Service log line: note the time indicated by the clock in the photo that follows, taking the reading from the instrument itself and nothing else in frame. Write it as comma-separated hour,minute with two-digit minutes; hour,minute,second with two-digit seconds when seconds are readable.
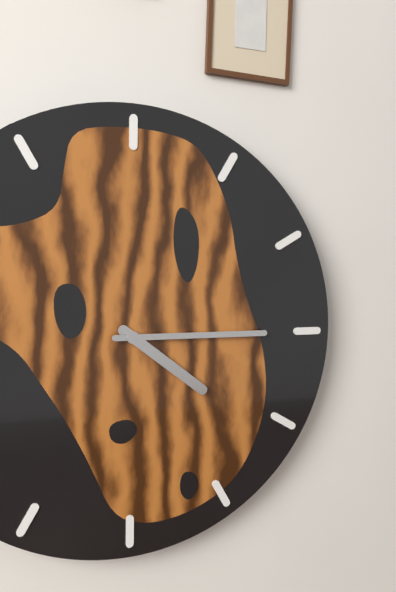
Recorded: 4,15
